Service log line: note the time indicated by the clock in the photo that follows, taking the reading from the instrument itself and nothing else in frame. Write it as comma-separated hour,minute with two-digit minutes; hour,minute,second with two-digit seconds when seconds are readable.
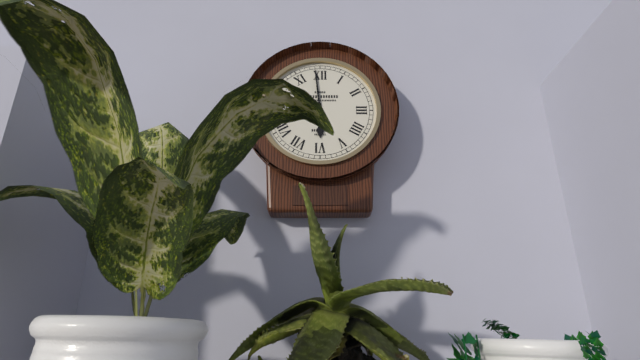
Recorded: 5,59
